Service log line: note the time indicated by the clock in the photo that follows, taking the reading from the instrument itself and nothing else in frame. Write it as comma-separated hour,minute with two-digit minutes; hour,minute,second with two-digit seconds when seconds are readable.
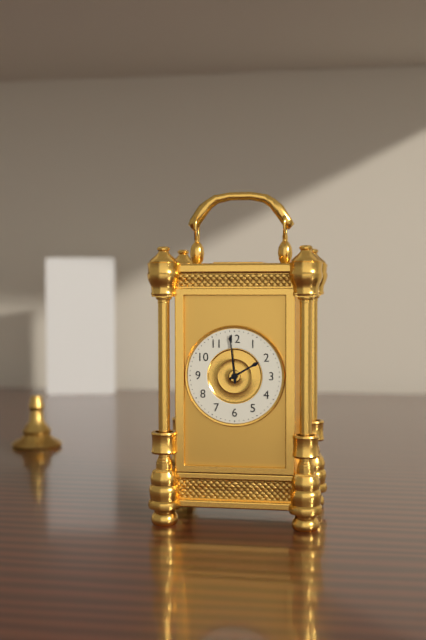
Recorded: 1,59
